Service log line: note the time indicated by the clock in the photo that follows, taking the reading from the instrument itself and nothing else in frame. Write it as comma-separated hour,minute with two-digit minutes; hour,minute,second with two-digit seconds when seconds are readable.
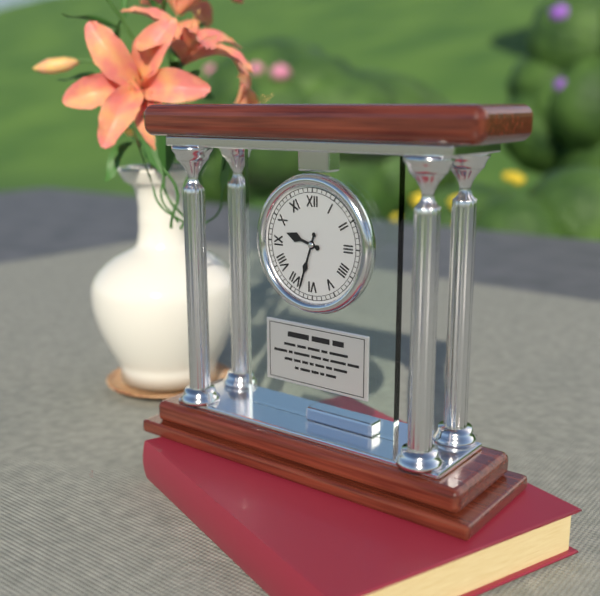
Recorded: 9,33
